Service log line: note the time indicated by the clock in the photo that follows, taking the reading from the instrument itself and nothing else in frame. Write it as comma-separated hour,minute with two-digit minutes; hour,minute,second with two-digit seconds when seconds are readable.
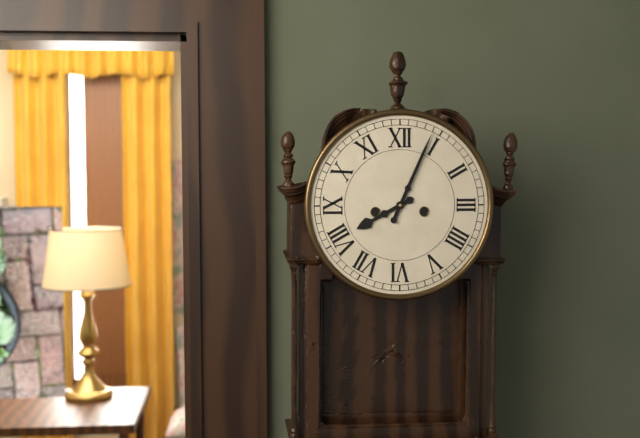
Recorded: 8,04
